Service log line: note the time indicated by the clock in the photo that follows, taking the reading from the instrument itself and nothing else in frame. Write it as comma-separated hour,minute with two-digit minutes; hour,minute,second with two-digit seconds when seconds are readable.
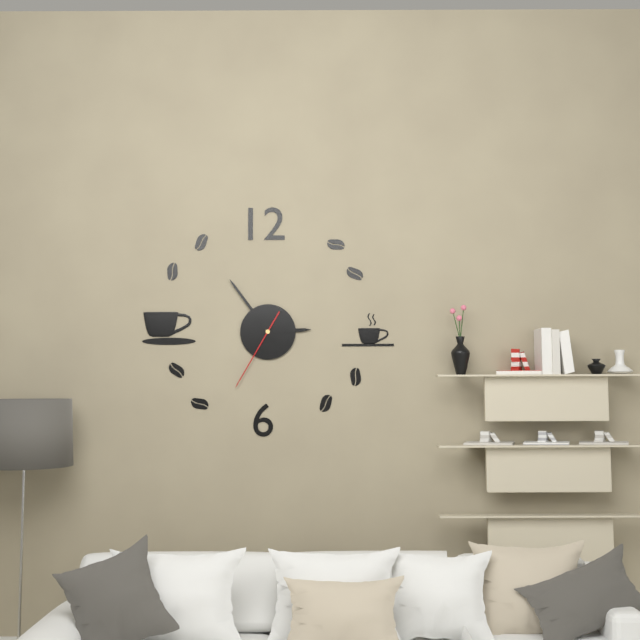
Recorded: 2,54,35
